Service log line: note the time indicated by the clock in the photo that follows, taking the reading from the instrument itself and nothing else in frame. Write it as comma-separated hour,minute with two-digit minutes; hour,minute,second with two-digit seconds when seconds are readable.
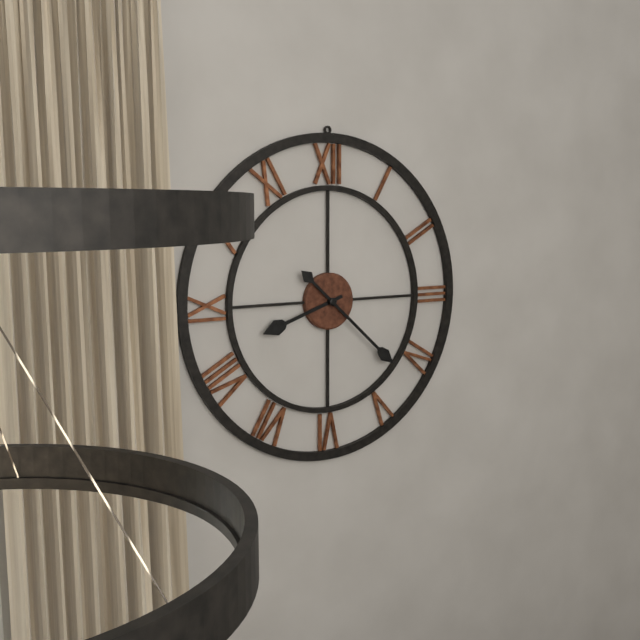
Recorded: 8,22
